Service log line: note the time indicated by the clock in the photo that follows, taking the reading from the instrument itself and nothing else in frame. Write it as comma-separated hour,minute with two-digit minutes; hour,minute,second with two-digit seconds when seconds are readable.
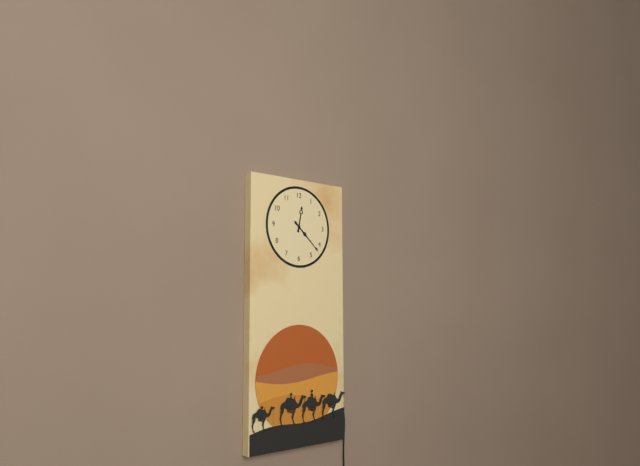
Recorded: 12,22
